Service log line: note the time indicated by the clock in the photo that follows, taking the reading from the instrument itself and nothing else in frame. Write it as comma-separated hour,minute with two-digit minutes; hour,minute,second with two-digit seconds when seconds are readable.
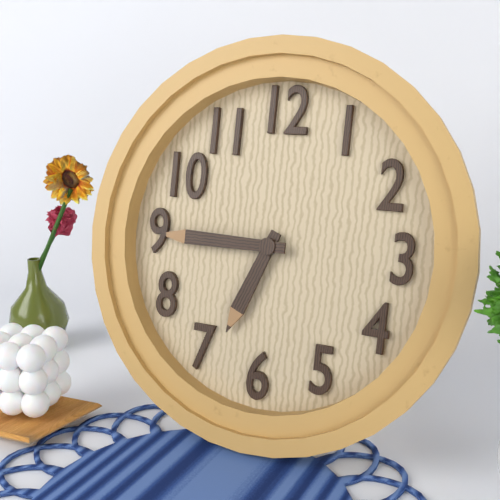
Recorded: 6,45
